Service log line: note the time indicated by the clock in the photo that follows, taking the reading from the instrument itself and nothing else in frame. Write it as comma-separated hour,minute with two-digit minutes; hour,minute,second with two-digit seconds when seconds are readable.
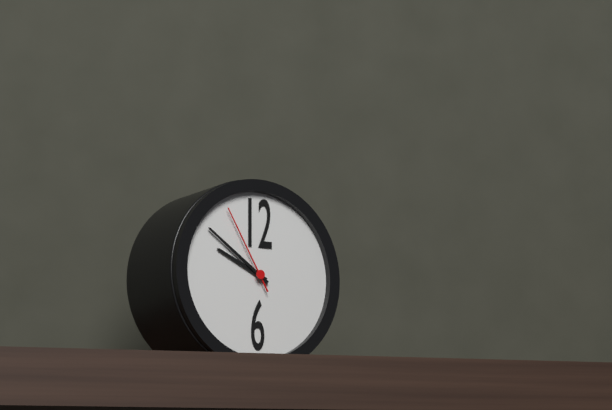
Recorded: 9,51,55
